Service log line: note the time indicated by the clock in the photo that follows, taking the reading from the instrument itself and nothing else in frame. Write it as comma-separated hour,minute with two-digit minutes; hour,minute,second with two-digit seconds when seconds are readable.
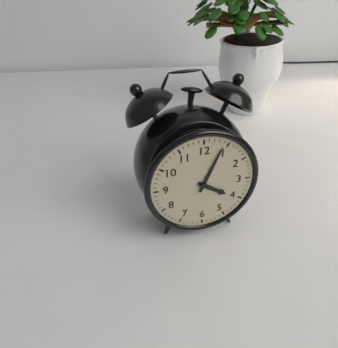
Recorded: 4,04
